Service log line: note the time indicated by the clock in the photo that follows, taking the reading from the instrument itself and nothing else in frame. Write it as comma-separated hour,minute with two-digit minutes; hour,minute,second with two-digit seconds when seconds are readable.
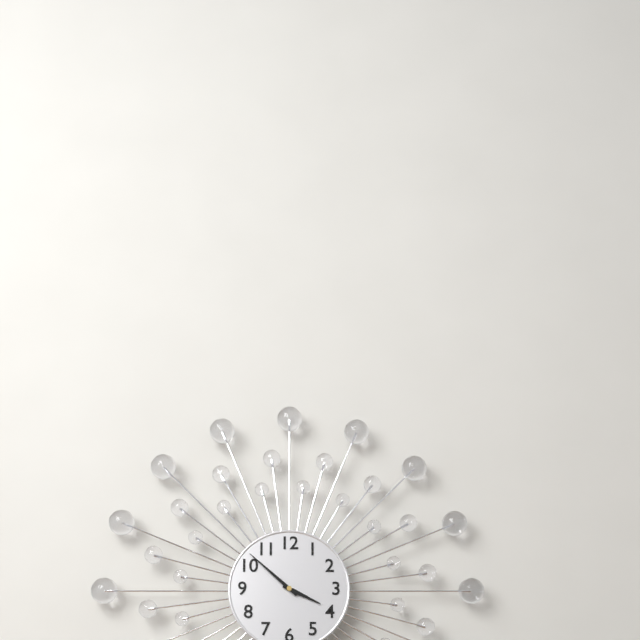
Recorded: 3,52
